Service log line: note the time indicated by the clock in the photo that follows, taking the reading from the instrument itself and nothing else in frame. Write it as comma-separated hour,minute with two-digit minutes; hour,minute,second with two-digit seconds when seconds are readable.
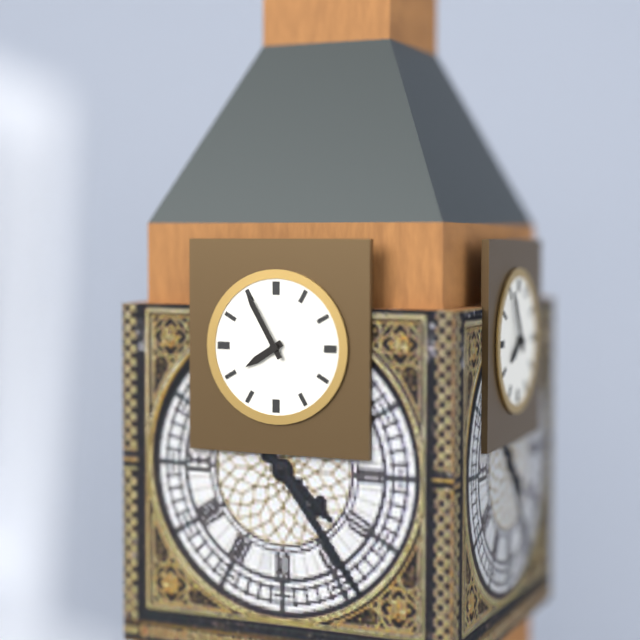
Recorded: 7,55
